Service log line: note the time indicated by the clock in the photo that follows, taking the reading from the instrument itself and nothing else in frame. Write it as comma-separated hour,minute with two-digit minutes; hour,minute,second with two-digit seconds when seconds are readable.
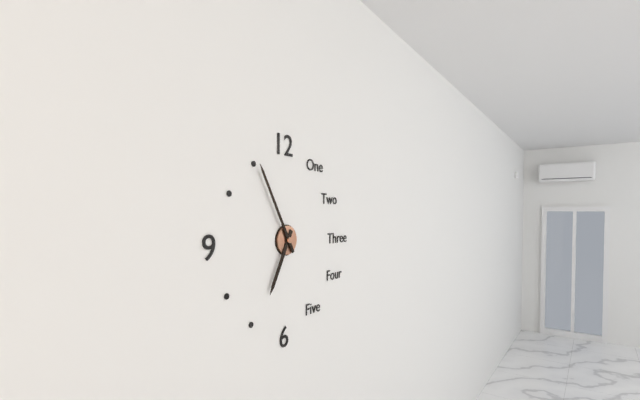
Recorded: 6,55
